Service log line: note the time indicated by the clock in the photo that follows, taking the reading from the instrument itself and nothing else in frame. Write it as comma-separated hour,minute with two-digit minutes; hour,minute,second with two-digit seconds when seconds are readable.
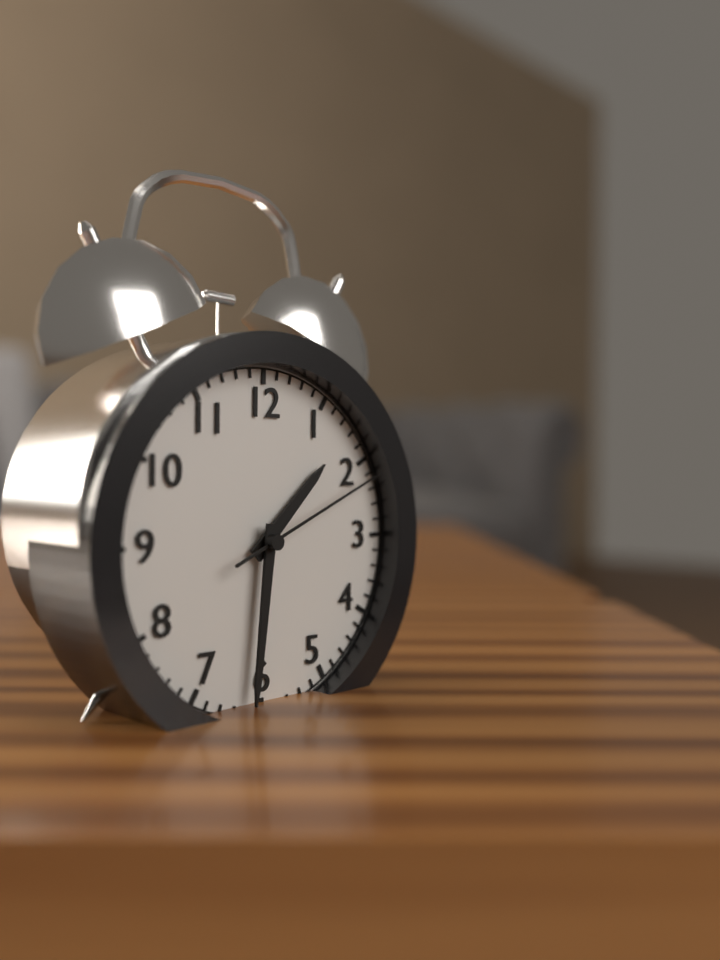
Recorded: 1,31,11
